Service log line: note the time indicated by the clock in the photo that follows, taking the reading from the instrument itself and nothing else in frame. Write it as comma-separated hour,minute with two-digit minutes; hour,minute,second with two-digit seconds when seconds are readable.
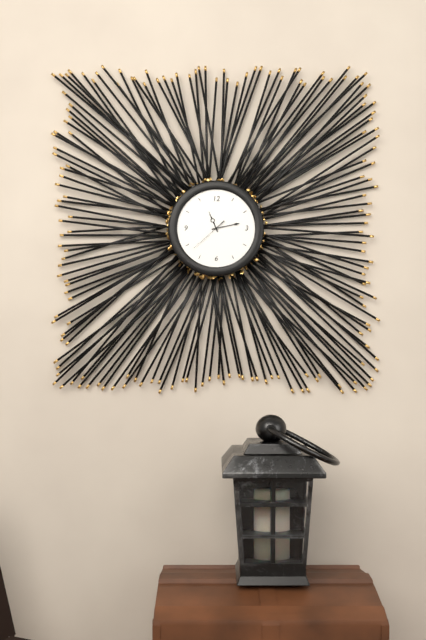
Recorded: 11,13
